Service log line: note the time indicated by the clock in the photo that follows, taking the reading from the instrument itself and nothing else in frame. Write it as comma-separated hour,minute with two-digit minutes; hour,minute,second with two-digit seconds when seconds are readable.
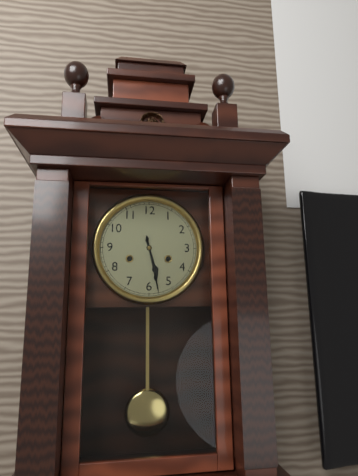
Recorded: 5,28
